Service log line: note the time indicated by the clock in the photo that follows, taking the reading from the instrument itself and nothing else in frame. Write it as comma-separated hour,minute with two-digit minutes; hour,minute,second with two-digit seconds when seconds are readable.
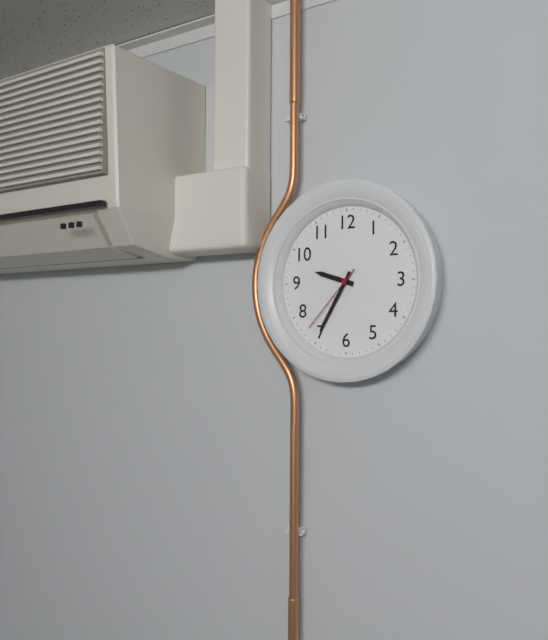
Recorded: 9,35,37
